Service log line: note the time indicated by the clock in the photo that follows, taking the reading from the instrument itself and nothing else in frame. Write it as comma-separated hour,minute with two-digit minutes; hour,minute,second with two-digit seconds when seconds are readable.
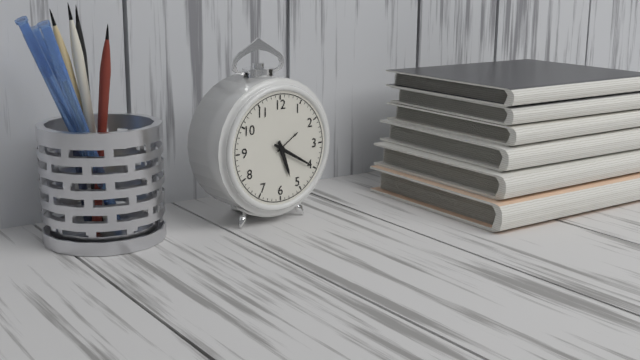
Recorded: 5,20
